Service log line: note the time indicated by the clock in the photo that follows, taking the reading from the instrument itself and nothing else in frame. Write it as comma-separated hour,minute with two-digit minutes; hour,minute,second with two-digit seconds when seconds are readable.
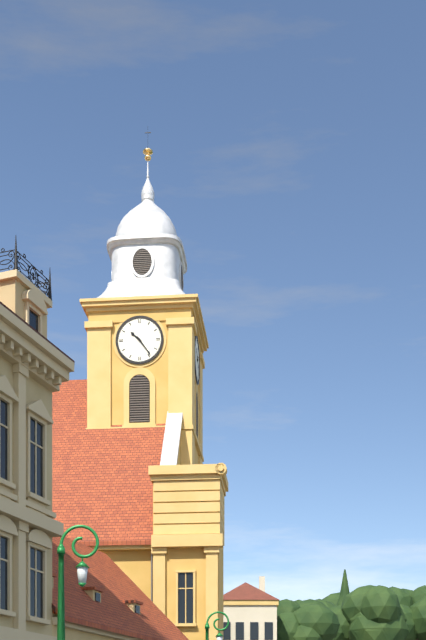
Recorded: 10,24
